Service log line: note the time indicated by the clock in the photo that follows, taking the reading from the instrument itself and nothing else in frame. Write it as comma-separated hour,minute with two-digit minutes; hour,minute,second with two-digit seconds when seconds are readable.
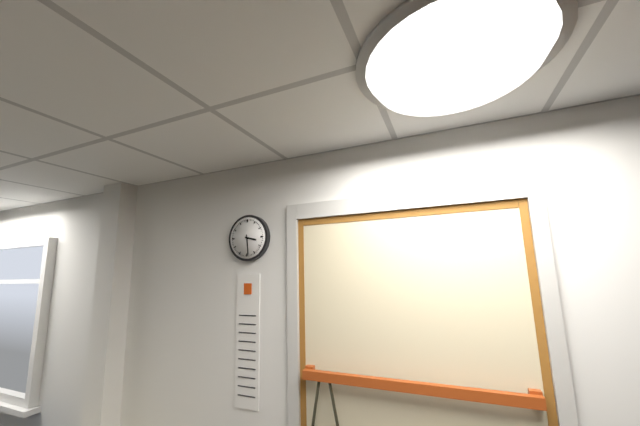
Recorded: 3,29
